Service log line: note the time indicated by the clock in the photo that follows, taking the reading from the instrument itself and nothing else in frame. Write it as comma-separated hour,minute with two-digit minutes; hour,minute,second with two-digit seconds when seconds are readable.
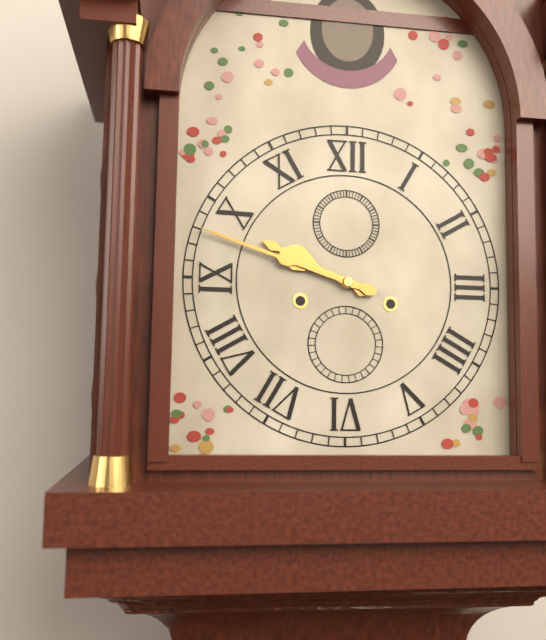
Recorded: 9,48
